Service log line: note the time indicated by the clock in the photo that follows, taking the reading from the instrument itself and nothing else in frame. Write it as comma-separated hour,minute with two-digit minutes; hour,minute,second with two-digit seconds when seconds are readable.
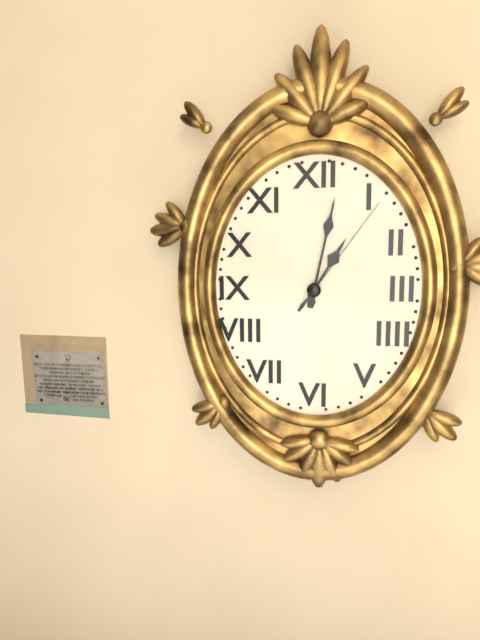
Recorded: 1,02,06
